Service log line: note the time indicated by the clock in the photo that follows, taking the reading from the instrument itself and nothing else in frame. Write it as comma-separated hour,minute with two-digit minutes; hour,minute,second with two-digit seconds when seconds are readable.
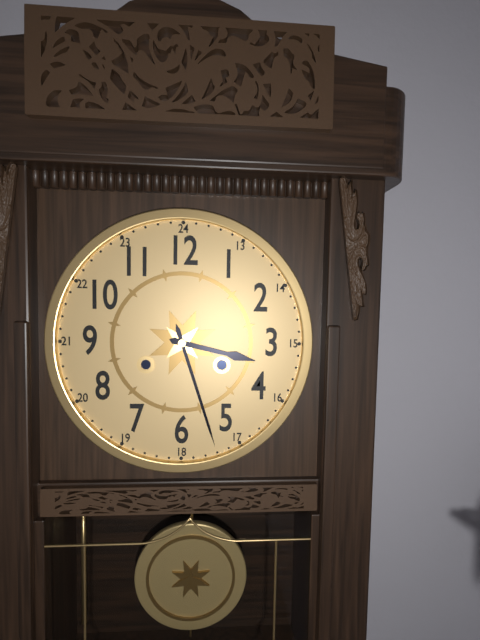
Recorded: 3,27
